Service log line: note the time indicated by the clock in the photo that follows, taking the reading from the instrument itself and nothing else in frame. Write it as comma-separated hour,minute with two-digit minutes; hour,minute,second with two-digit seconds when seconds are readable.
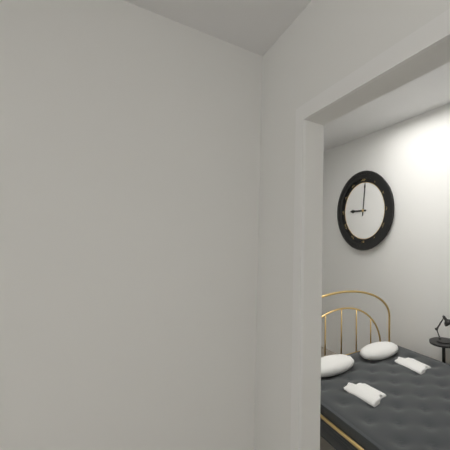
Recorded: 9,01
